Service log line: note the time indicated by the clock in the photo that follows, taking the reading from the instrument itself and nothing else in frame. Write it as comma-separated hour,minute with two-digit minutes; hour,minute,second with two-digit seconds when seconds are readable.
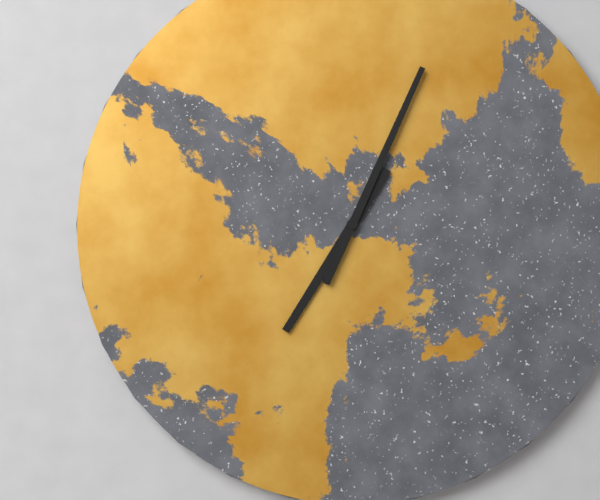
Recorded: 7,04
